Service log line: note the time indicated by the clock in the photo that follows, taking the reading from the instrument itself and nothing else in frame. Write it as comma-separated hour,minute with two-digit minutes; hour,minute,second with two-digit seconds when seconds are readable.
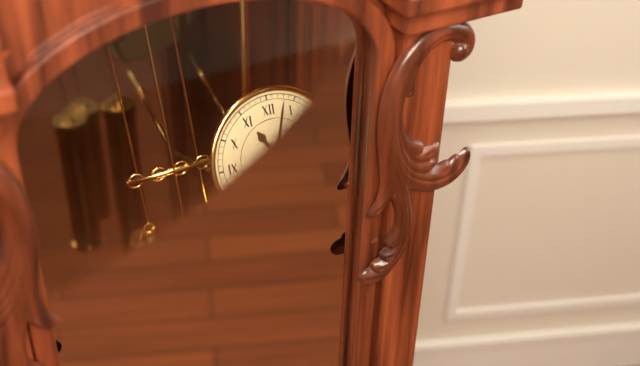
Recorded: 11,03
